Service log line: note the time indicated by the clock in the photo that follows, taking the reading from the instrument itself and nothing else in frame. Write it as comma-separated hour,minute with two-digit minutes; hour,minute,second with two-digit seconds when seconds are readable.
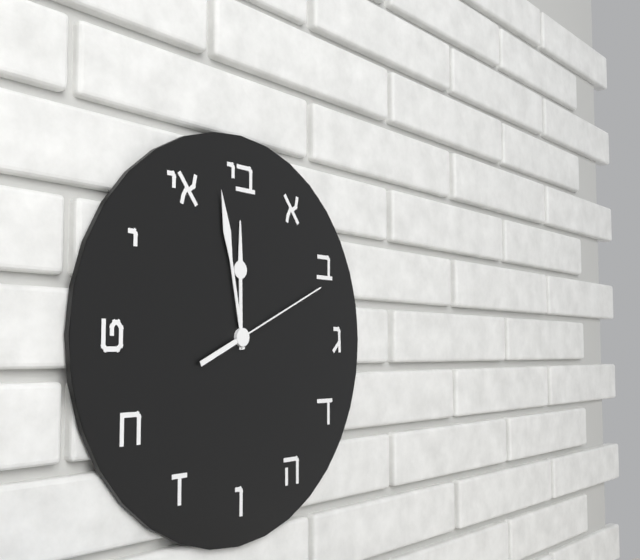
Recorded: 11,58,11
